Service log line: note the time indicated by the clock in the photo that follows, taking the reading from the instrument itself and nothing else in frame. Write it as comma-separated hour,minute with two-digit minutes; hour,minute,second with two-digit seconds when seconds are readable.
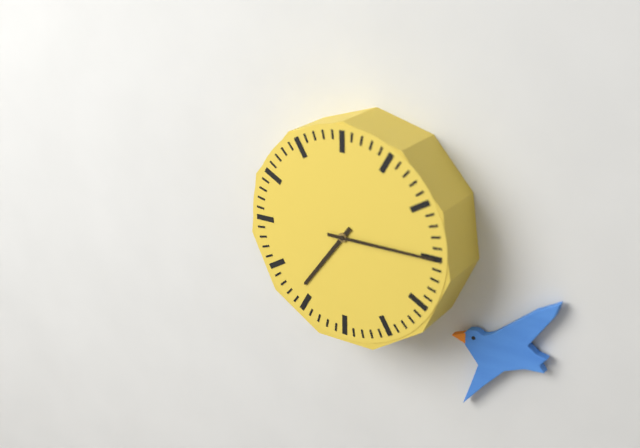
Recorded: 7,15
